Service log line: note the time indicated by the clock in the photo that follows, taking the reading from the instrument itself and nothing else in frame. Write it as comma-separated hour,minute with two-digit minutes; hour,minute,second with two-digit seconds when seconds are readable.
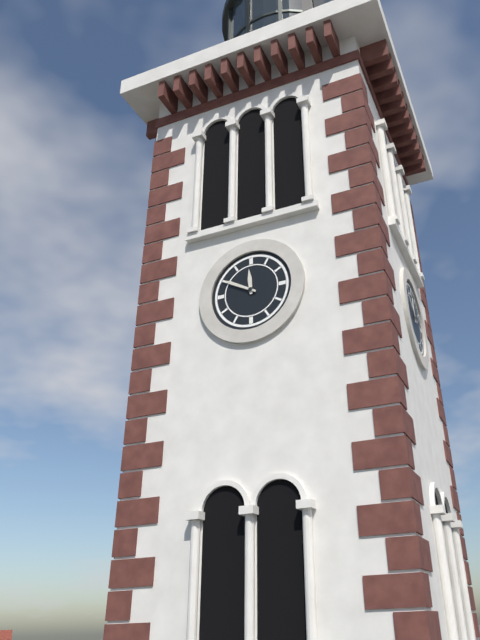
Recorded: 11,50
